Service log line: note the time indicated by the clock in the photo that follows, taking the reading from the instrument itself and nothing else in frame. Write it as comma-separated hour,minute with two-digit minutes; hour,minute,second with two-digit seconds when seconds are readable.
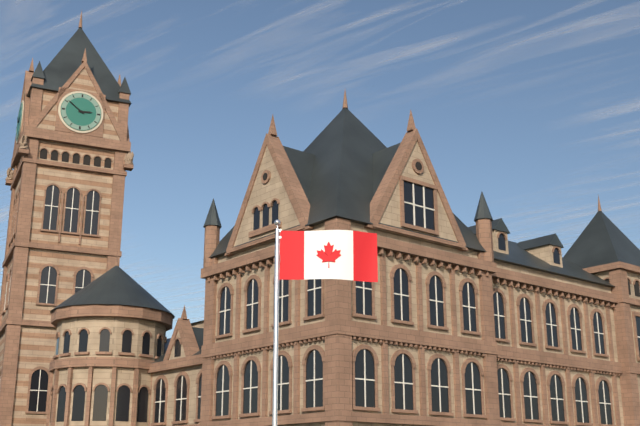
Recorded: 2,51
